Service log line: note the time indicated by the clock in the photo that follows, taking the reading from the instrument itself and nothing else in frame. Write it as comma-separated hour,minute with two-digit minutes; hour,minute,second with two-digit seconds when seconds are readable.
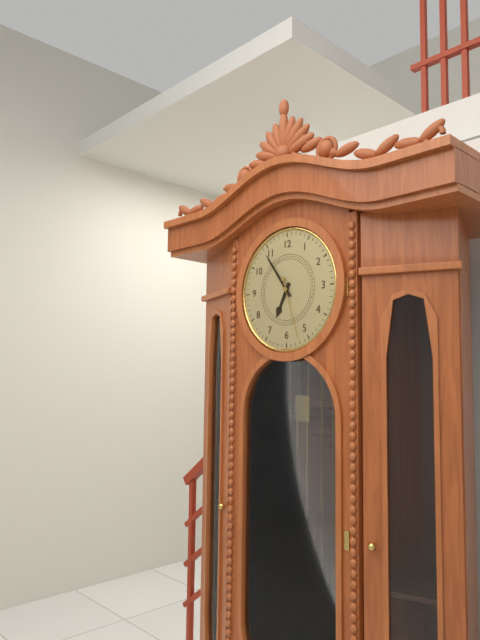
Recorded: 6,54,27
